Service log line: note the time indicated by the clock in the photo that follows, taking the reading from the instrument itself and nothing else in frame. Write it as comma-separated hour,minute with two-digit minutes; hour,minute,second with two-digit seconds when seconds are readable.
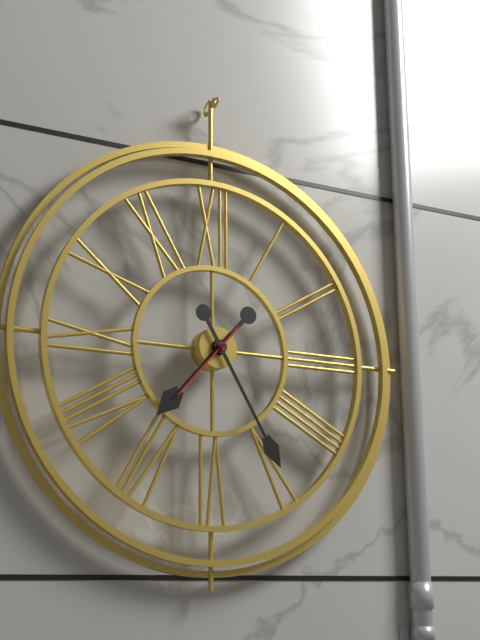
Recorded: 7,25,37
